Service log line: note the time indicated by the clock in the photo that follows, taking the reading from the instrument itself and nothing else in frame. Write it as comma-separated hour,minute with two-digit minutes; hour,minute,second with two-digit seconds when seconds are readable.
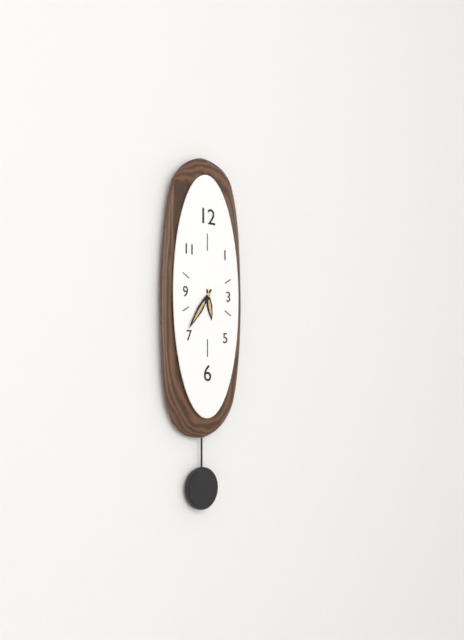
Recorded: 5,36
